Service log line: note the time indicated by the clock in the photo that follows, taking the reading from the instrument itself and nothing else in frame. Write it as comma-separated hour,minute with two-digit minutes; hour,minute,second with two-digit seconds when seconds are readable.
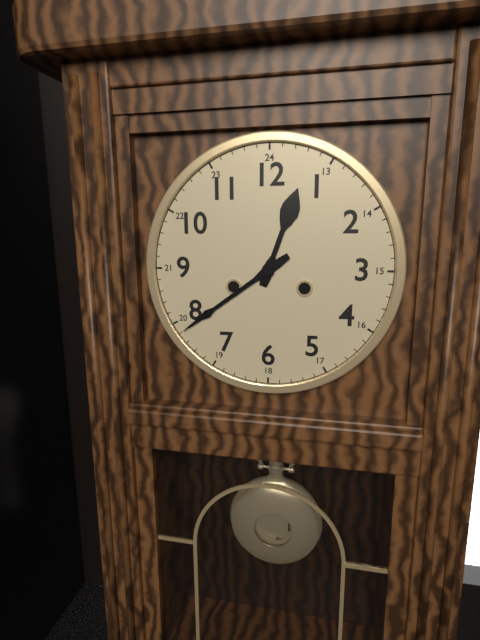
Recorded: 12,39
